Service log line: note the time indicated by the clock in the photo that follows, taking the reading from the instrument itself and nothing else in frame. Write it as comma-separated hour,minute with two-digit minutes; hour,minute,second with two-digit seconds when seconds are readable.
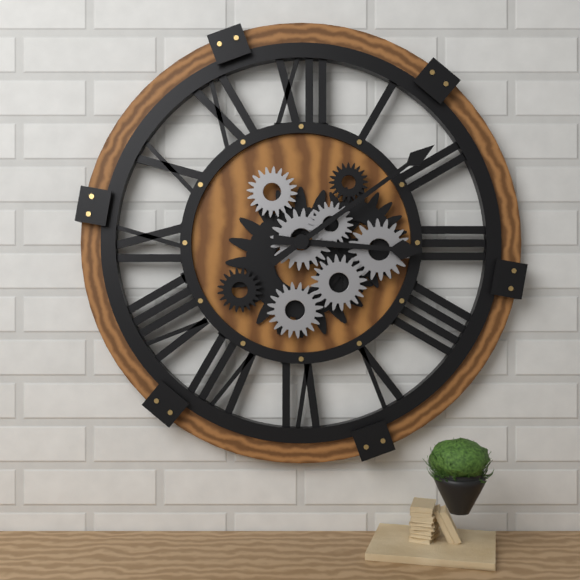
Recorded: 3,09
